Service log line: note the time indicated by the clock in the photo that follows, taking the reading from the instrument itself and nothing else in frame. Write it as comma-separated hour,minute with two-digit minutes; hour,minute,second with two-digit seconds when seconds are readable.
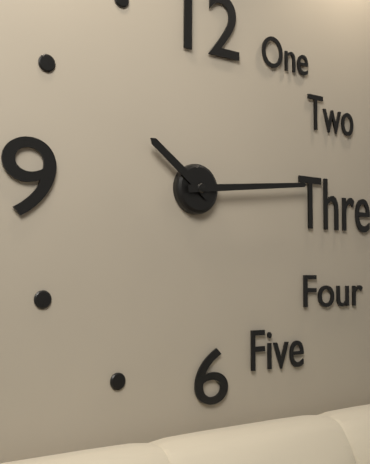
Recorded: 10,14
